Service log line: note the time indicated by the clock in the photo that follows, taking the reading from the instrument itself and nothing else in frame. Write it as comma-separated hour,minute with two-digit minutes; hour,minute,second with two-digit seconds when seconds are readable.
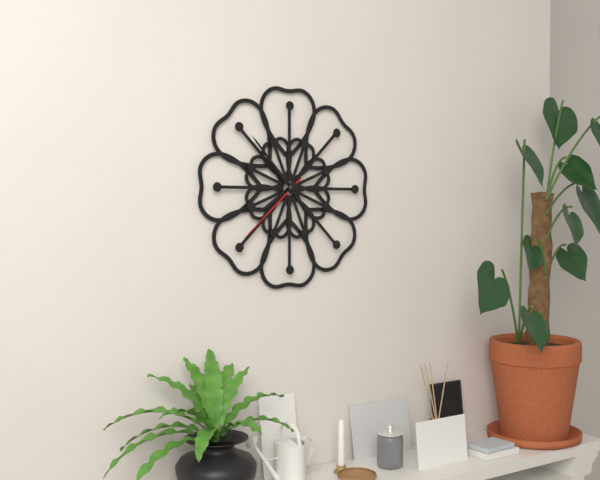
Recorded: 7,53,38
